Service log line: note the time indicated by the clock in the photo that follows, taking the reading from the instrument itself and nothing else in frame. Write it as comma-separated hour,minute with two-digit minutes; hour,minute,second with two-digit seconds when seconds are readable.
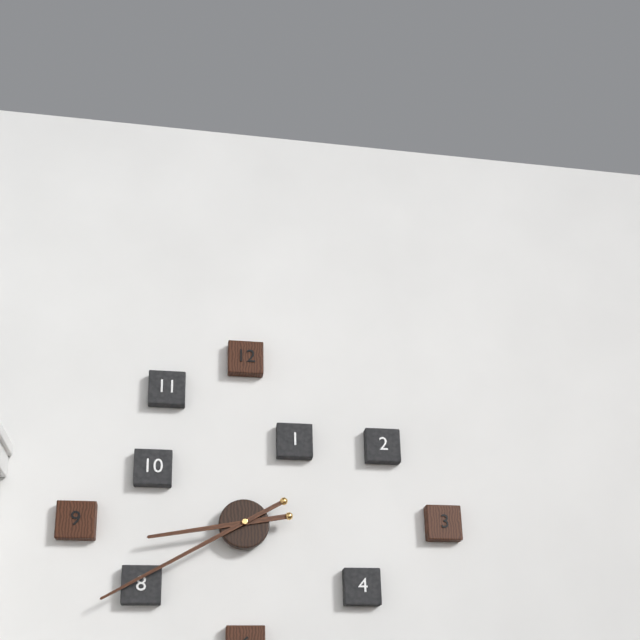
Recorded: 8,40
